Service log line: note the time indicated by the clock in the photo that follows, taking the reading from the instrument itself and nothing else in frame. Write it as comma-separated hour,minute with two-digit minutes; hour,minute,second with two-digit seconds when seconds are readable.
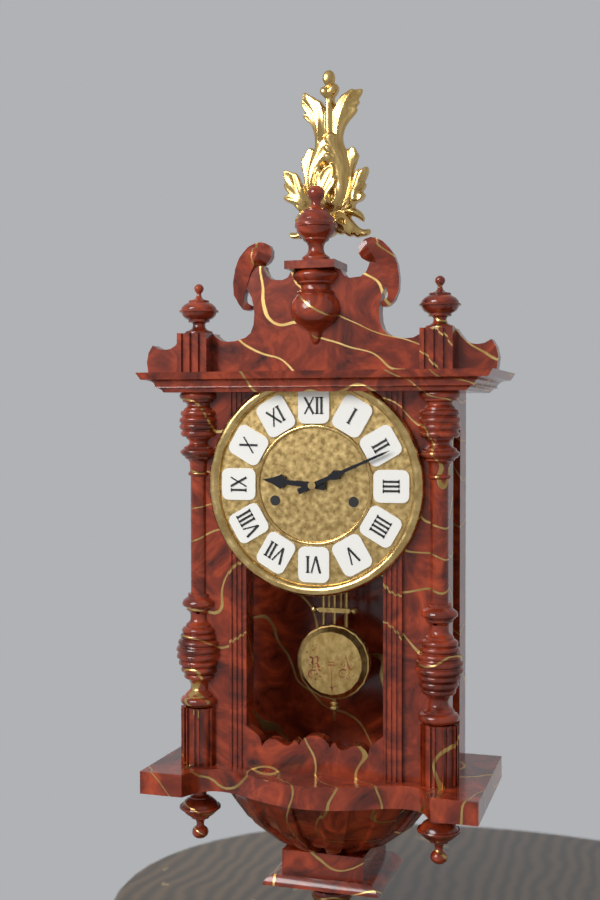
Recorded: 9,11
